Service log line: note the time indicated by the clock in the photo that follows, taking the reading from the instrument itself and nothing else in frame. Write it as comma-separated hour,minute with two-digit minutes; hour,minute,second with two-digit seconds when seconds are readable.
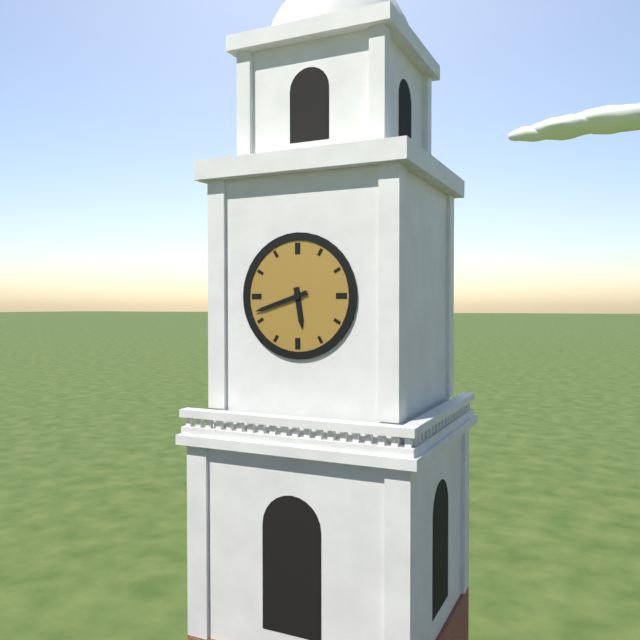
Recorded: 5,42
